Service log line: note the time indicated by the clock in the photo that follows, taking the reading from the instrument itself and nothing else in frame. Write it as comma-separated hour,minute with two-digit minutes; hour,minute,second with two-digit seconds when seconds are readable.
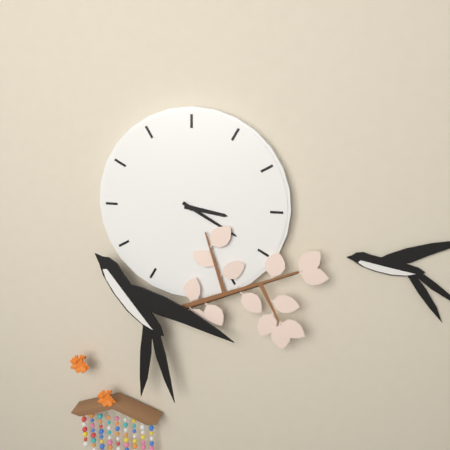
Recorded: 3,20
